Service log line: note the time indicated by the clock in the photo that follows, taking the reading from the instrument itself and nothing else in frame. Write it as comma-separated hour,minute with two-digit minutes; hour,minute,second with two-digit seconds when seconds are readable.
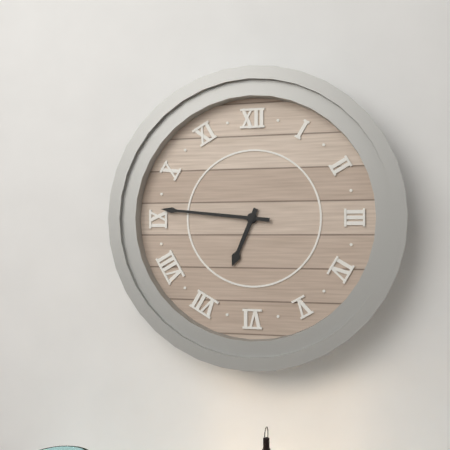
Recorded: 6,46
